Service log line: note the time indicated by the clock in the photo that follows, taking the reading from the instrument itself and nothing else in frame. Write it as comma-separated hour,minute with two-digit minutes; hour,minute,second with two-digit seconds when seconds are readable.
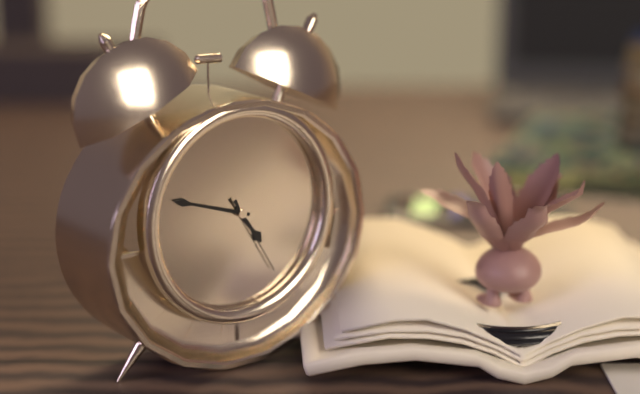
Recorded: 4,48,25
